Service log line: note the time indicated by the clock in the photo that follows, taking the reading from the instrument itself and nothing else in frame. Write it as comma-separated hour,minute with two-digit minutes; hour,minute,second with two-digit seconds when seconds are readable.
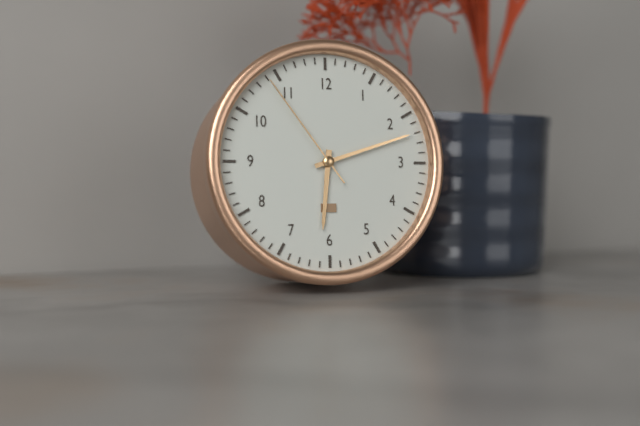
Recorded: 6,12,54
